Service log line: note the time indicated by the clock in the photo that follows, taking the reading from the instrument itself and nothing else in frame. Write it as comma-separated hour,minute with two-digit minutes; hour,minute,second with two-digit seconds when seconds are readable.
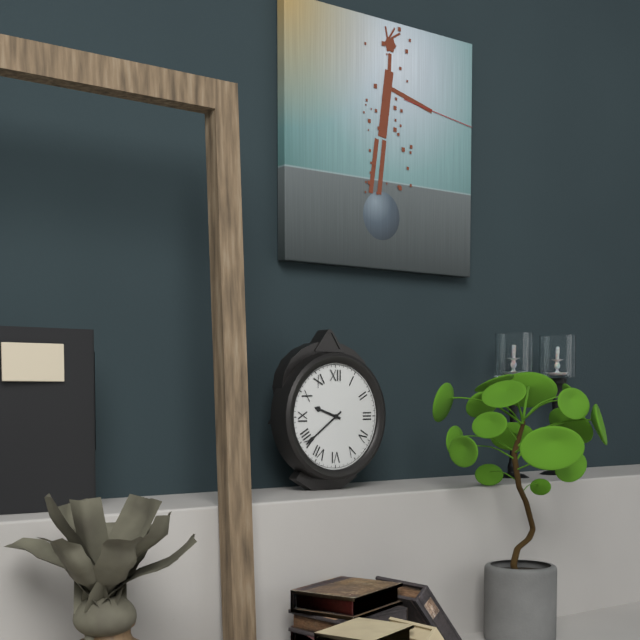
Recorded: 9,39
